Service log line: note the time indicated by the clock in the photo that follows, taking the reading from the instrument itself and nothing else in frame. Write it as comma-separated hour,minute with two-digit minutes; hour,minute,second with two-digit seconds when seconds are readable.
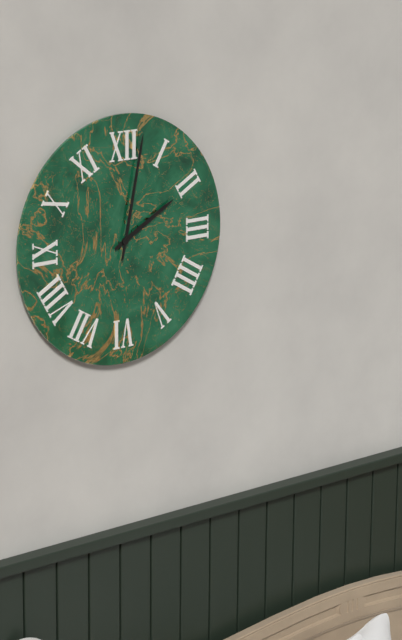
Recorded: 2,02
